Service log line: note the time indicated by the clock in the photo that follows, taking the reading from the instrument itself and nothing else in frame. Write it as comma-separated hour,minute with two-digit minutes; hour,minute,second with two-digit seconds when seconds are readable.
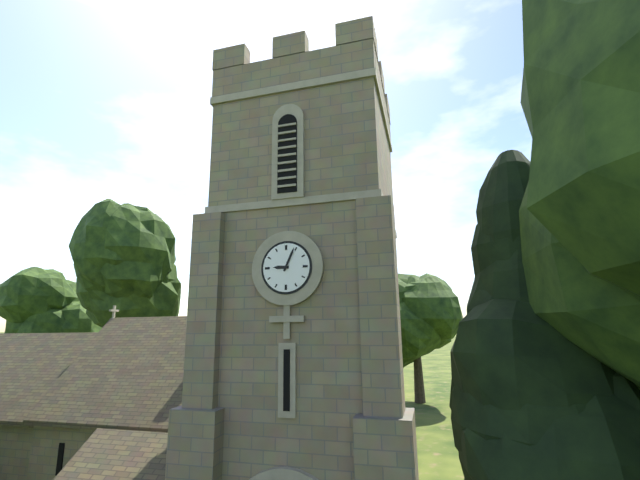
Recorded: 9,04
